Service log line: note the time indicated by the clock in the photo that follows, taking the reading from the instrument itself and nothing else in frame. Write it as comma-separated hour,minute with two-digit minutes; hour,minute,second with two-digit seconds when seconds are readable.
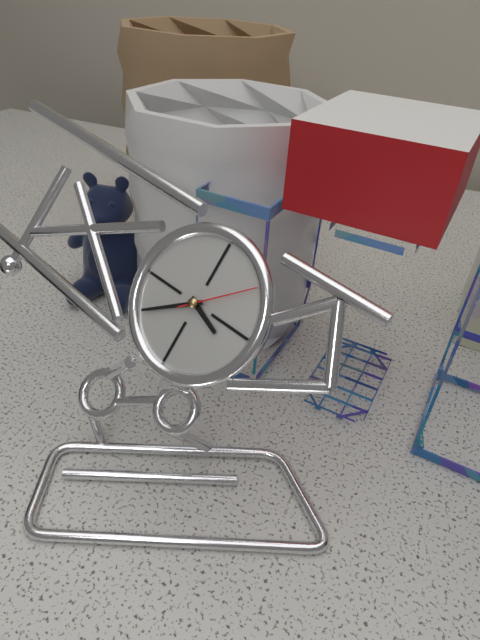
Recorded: 3,39,08
